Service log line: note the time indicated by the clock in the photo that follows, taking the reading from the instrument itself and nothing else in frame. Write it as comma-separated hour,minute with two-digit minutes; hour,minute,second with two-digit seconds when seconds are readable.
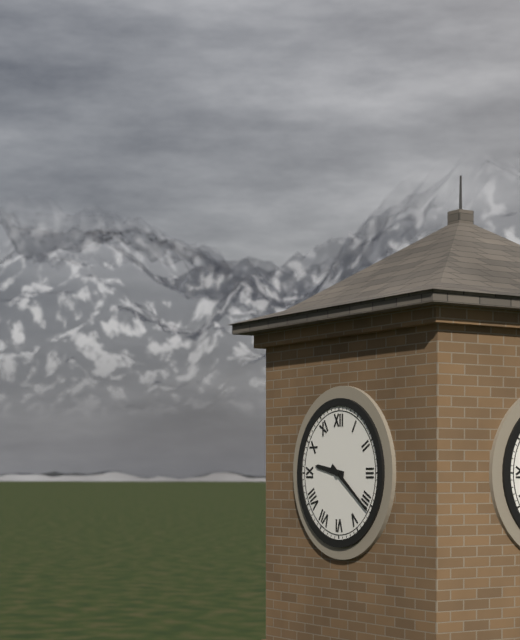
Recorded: 9,21
